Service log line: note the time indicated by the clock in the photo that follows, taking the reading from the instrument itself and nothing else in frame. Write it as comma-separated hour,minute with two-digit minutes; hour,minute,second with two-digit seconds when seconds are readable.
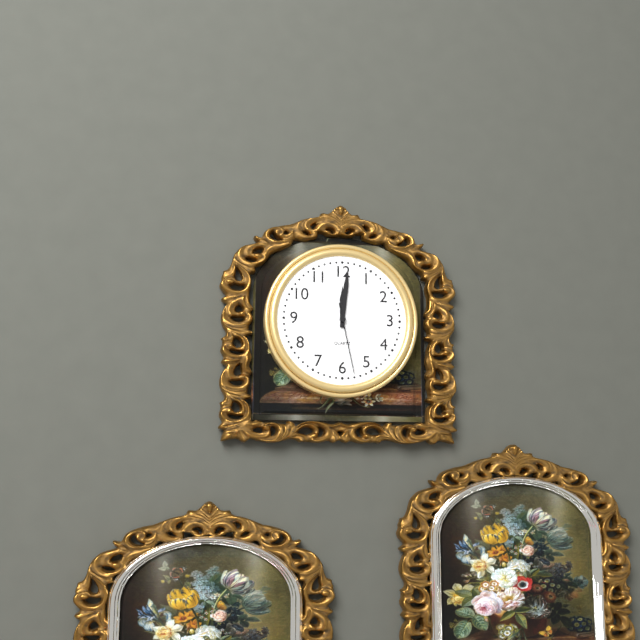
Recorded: 12,01,28
